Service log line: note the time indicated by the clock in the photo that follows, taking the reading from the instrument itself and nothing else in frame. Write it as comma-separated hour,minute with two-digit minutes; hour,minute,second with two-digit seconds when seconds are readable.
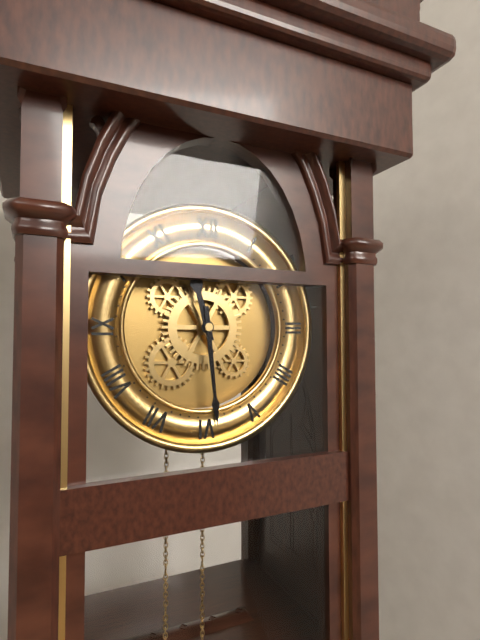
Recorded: 11,29
